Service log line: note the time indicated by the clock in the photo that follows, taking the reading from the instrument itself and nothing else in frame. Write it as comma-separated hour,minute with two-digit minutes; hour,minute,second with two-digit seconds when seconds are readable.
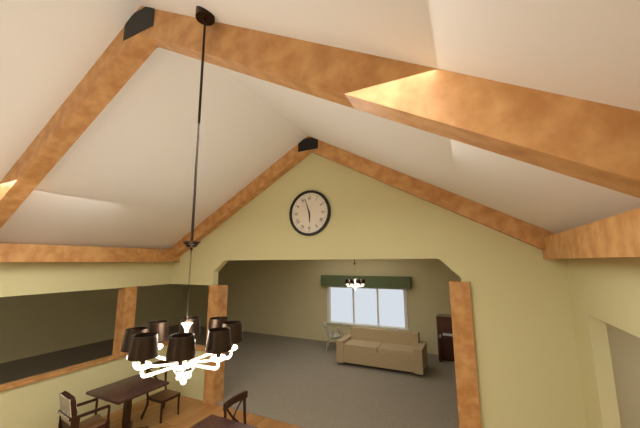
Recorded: 5,57
